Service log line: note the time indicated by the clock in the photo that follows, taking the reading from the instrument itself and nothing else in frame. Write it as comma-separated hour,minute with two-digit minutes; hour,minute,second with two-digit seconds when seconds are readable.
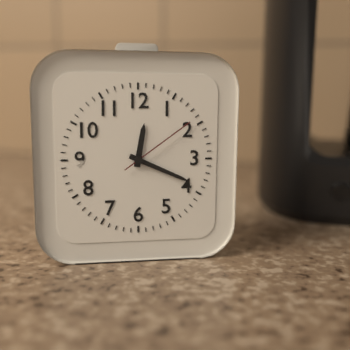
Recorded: 12,19,09
